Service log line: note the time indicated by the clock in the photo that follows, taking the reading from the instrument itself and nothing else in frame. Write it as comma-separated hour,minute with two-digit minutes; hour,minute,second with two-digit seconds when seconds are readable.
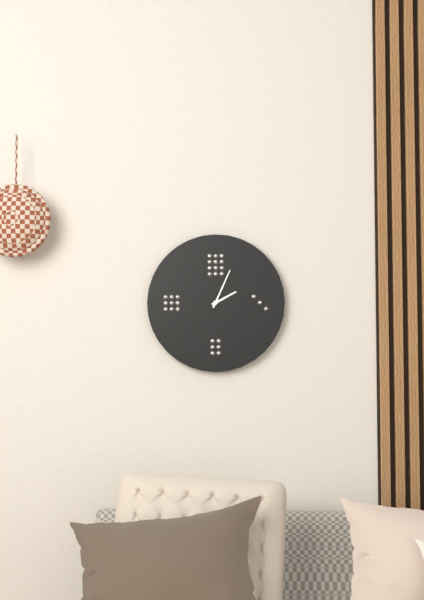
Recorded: 2,04
